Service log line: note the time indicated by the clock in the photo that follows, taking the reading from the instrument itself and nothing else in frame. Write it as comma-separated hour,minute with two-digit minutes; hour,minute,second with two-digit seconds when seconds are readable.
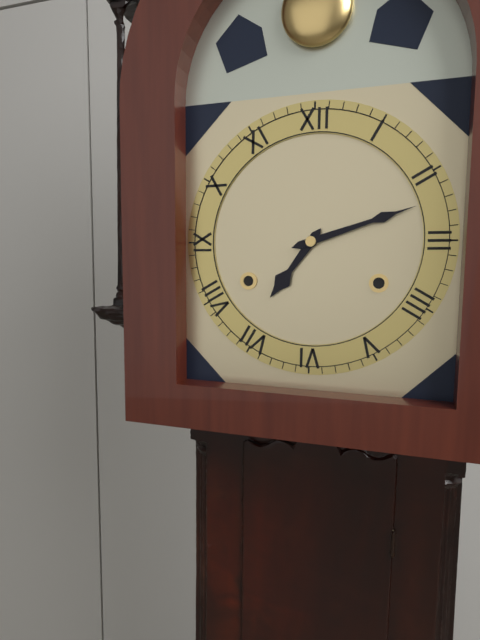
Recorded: 7,12
